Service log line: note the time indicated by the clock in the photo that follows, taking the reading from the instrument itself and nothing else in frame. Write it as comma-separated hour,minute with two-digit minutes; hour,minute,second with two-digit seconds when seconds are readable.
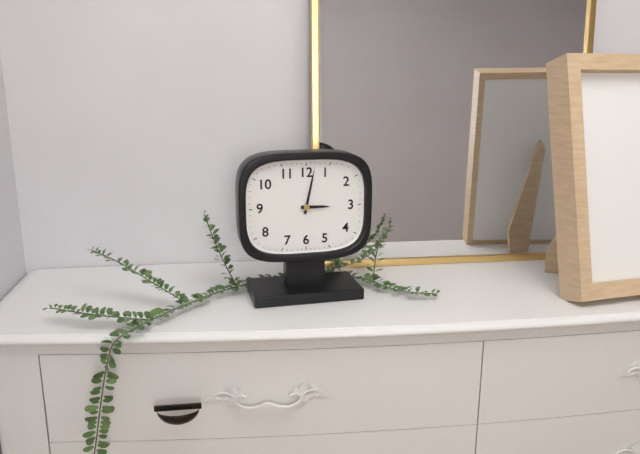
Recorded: 3,02
